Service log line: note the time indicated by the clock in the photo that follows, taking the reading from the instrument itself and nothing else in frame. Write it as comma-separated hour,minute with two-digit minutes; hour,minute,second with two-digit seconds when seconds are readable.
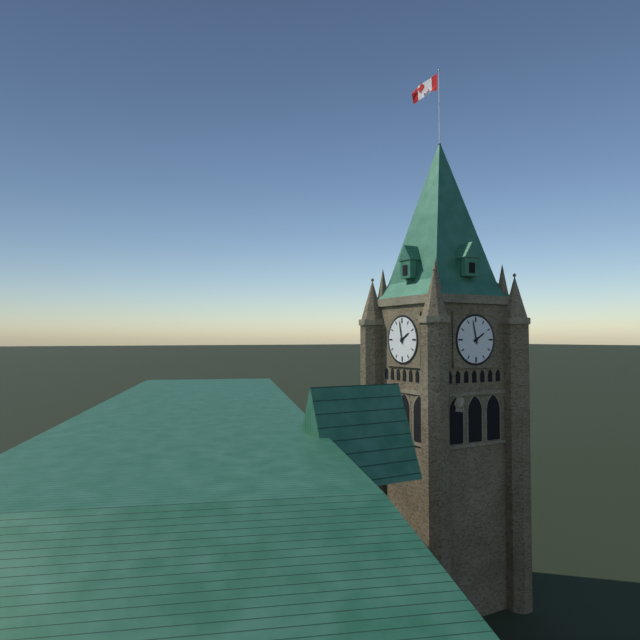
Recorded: 1,58
